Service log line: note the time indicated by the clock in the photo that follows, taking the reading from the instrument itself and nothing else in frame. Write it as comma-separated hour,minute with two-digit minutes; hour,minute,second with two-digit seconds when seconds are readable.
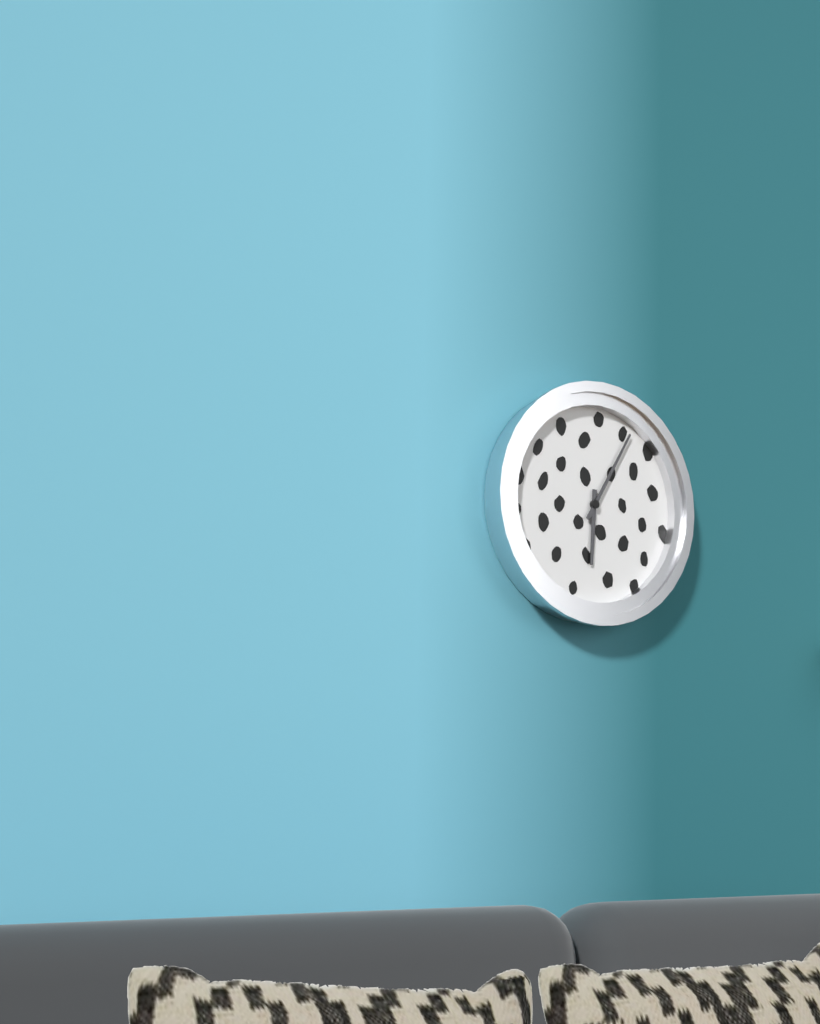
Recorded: 6,05
